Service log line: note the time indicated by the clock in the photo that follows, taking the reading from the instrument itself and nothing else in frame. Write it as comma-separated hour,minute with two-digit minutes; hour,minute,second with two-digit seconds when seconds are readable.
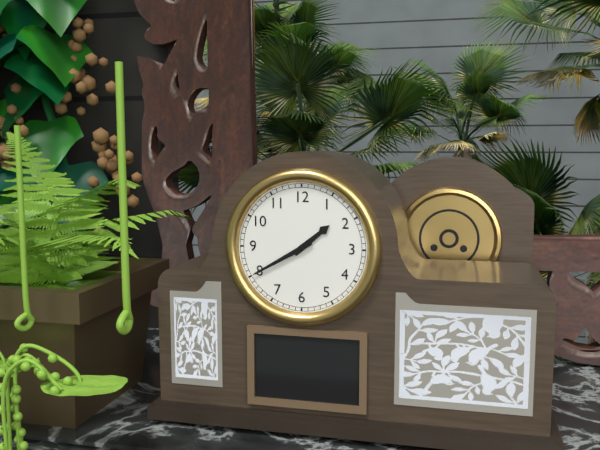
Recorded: 1,40
